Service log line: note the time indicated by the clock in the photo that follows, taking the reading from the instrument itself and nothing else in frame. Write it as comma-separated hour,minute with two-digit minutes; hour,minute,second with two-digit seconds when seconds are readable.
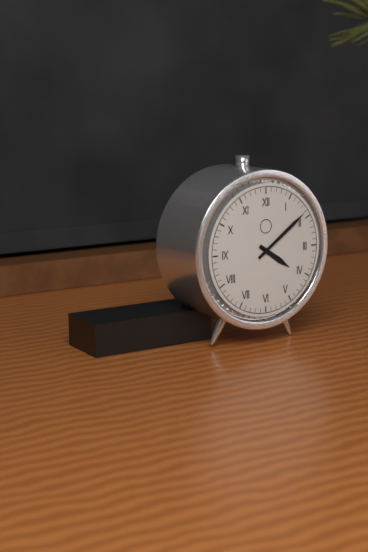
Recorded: 4,09
